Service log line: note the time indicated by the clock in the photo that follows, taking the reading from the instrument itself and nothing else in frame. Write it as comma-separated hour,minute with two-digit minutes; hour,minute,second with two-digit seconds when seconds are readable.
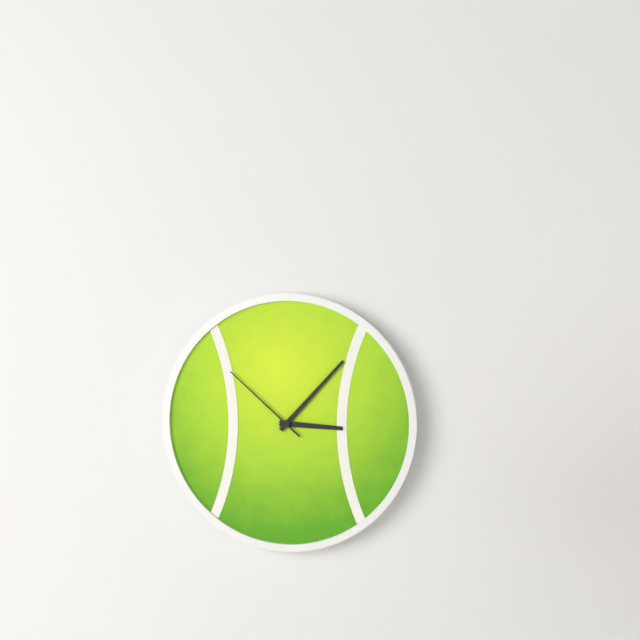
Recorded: 3,07,52
